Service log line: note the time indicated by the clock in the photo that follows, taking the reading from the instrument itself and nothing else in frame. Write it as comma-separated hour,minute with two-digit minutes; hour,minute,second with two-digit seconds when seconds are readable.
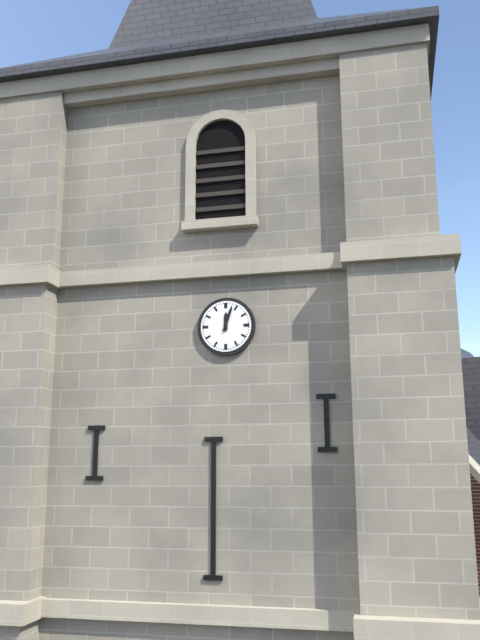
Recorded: 12,03
